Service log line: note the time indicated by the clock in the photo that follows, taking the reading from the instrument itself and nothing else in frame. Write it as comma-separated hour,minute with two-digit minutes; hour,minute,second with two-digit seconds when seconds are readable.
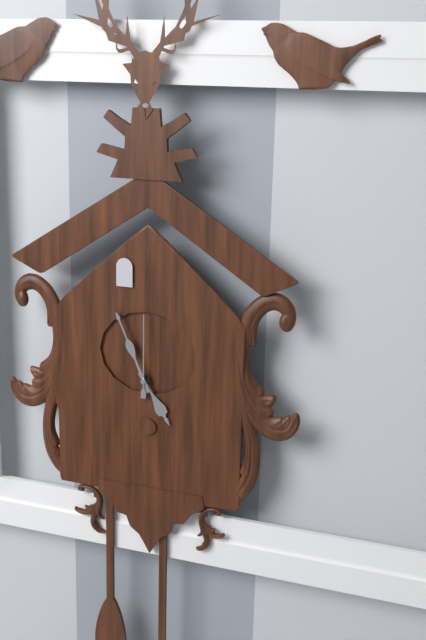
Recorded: 4,56,00
